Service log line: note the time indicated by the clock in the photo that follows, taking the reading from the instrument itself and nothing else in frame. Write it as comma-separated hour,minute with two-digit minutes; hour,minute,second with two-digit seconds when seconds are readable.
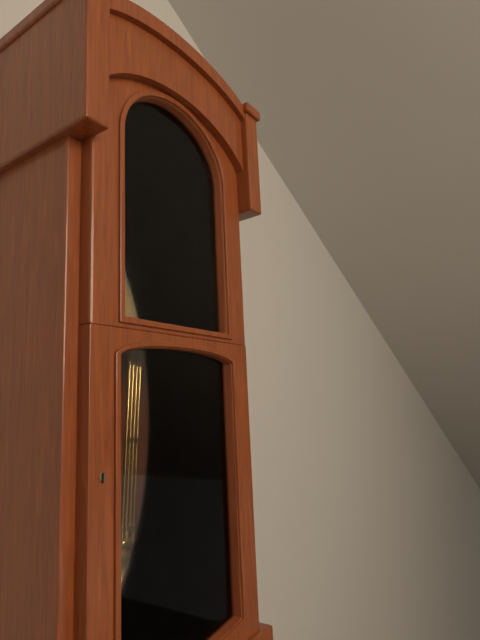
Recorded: 11,32
